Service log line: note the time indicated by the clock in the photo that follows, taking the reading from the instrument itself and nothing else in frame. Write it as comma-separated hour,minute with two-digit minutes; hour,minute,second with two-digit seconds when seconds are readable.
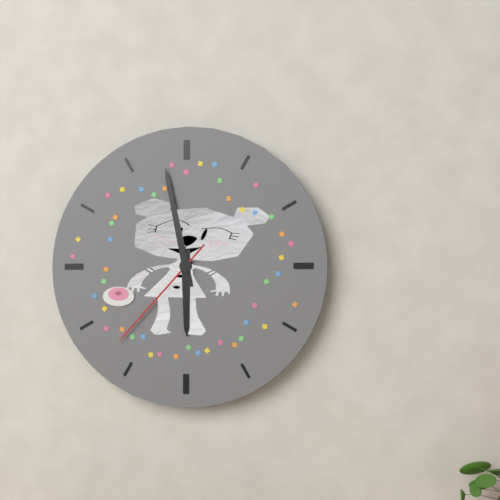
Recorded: 5,58,37
